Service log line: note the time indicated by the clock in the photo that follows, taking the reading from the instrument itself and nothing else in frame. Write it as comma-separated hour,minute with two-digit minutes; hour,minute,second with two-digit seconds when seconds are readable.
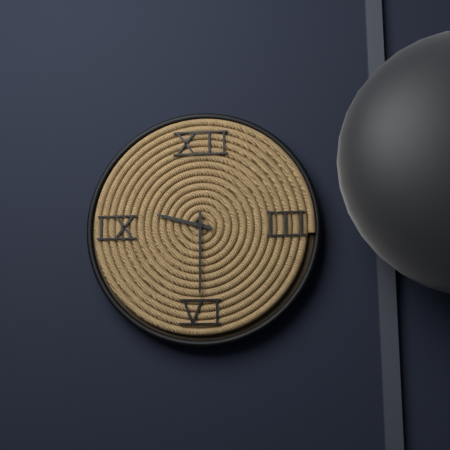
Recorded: 9,30
